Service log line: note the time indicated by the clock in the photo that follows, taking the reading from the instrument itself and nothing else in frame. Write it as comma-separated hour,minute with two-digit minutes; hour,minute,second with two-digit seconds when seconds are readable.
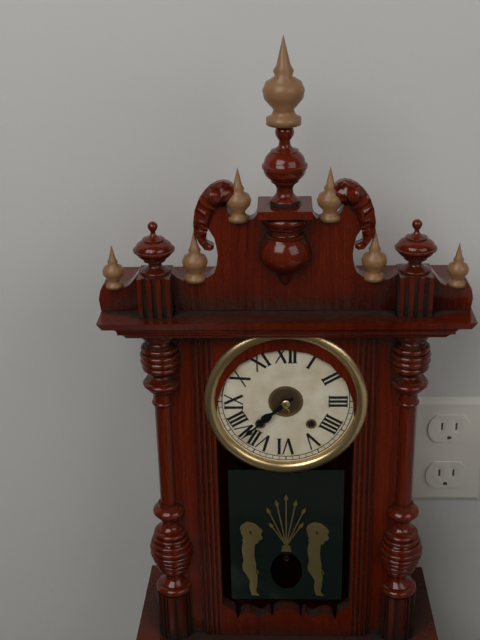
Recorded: 7,38
